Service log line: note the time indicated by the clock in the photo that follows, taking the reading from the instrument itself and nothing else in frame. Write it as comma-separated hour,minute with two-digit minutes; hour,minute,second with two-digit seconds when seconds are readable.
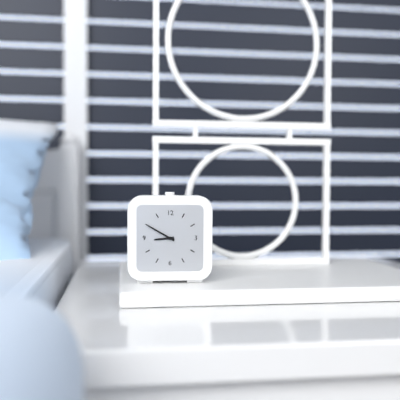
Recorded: 8,50
